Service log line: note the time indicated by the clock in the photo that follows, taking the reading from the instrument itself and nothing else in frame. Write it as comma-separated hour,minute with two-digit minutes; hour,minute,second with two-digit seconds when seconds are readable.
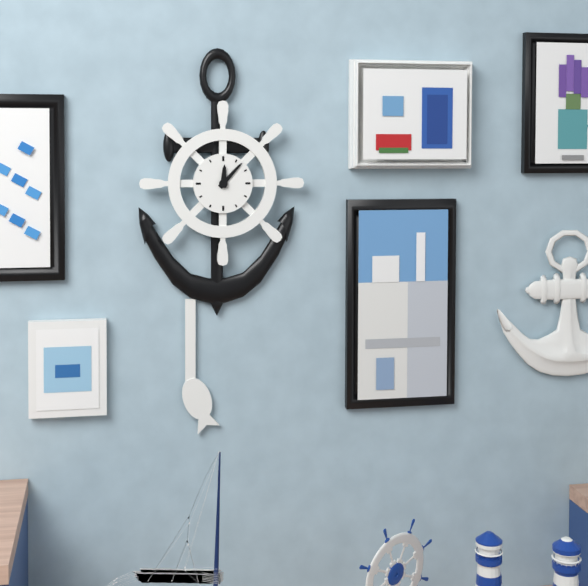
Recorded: 12,07
